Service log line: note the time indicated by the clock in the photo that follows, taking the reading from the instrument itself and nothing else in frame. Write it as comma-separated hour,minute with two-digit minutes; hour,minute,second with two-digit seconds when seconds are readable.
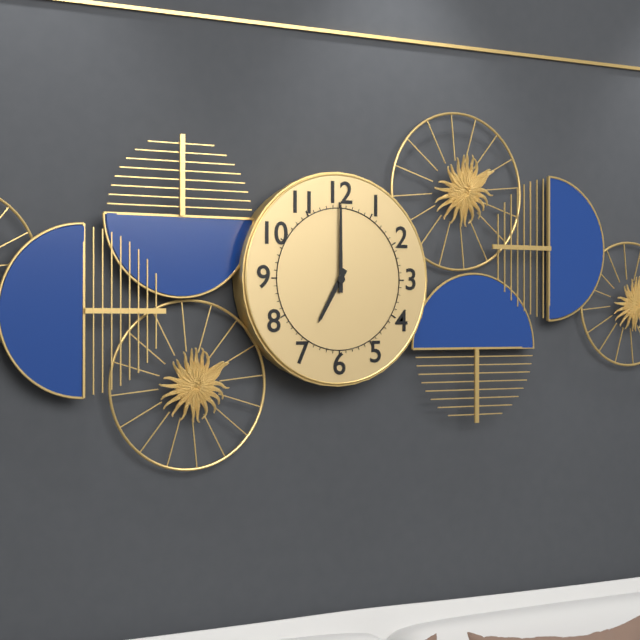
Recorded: 7,00
